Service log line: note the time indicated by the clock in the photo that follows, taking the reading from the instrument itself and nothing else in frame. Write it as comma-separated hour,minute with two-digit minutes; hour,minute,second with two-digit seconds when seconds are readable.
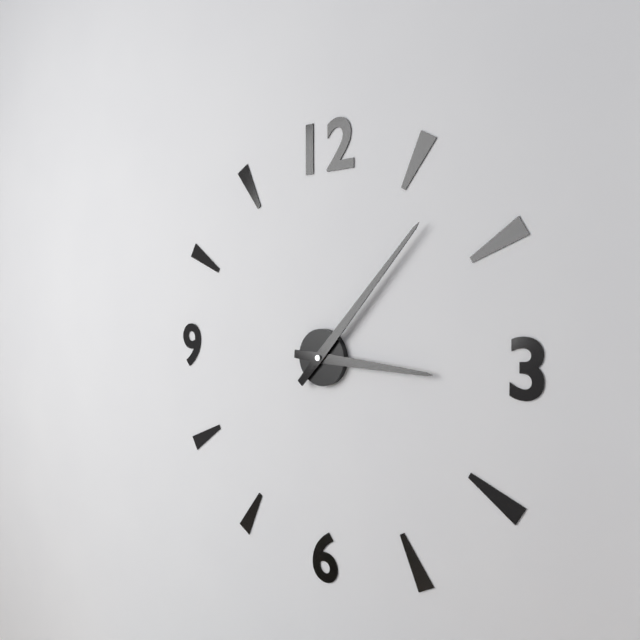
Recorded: 3,07
